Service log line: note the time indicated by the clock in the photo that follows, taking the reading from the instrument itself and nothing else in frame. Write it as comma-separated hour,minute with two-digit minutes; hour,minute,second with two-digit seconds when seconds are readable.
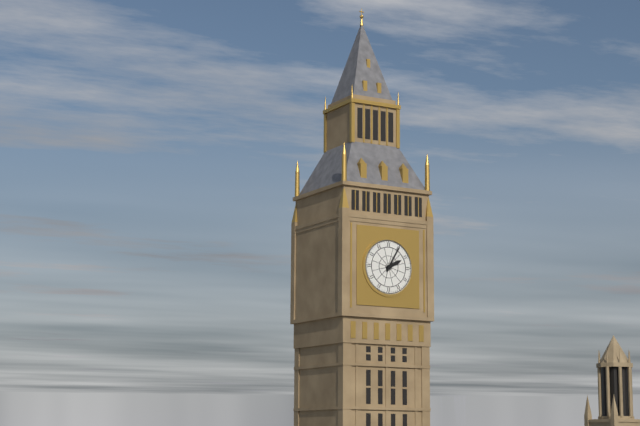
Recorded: 2,05
